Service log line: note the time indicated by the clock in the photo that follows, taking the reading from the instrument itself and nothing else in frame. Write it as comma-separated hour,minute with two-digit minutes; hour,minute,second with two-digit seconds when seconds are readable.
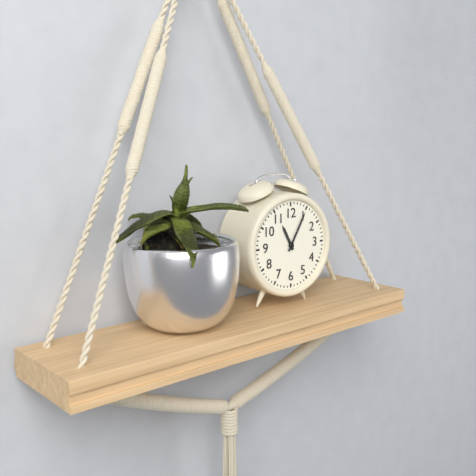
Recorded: 11,05
